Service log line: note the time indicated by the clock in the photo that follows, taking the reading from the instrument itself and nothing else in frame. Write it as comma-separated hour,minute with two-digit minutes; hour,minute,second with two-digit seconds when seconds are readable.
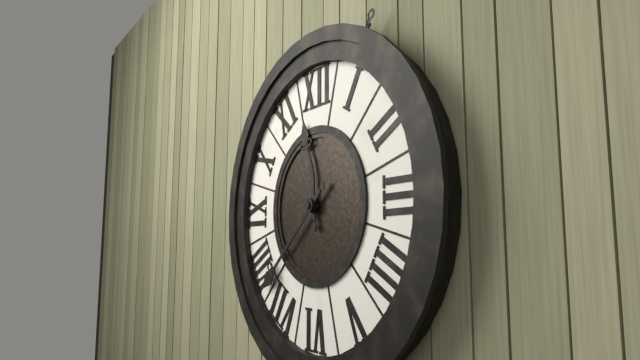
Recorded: 11,38
